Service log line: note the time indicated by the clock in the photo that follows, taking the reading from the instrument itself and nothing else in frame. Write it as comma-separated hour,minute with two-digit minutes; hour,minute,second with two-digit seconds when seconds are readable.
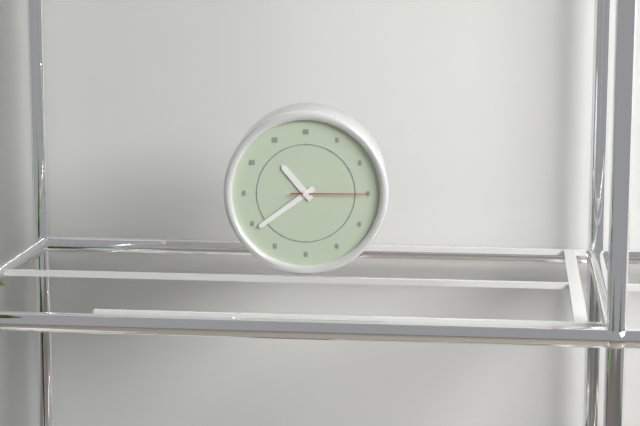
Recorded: 10,39,15
